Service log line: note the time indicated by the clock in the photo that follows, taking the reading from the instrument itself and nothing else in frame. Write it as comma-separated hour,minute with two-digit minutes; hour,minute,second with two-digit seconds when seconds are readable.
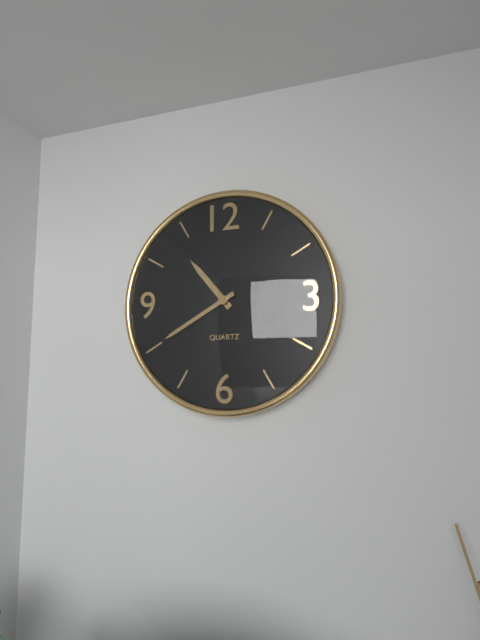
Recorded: 10,40
